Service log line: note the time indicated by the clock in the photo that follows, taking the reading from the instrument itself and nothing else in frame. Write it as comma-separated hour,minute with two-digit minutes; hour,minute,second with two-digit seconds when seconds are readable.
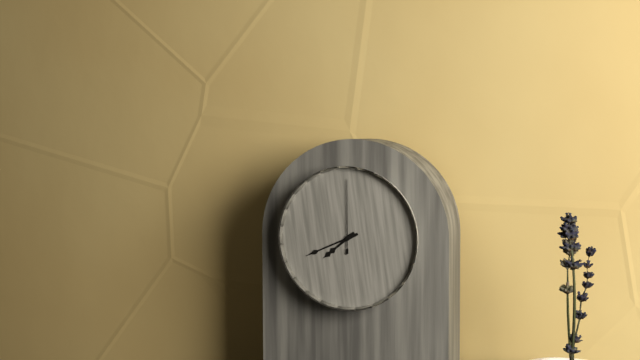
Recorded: 7,41,00
